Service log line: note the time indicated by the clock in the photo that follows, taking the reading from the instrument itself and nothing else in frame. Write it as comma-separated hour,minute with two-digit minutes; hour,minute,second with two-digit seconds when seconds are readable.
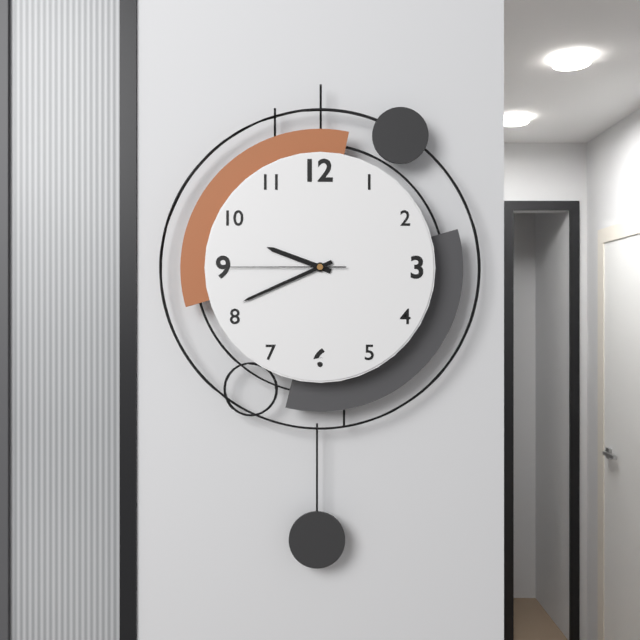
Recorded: 9,41,45
